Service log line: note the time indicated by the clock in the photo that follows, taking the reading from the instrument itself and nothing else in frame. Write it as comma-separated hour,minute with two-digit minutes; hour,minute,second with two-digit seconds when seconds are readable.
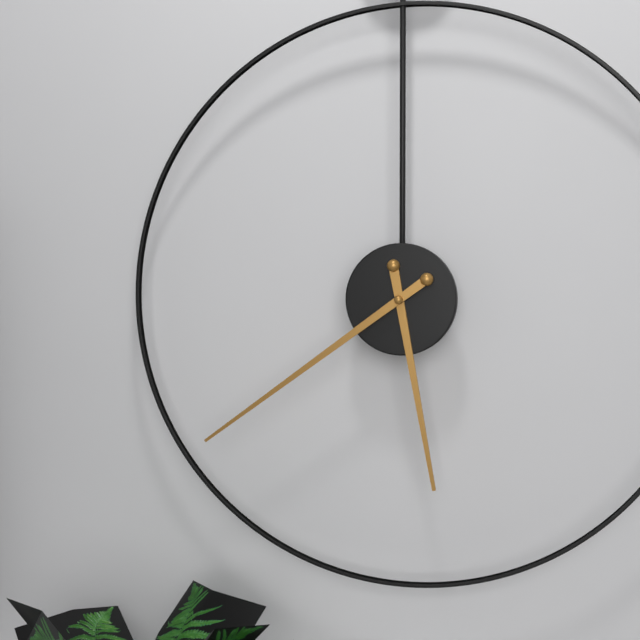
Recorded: 5,39
